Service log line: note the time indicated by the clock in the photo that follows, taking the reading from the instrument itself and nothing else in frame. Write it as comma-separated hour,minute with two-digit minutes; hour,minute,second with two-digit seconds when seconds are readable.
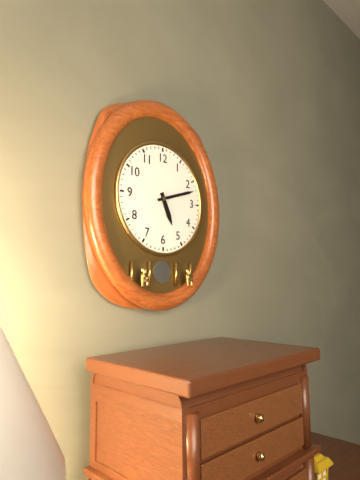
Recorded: 5,12
